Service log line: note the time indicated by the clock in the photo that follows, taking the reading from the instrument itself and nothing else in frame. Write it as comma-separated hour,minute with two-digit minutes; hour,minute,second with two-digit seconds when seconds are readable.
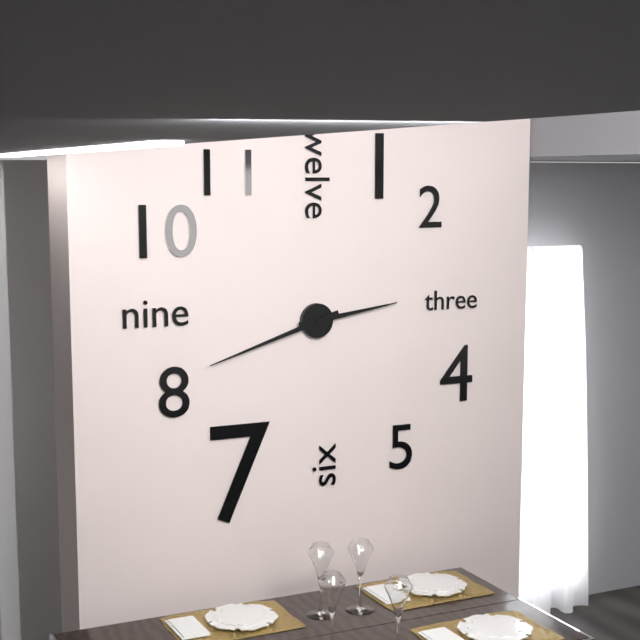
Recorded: 2,42
